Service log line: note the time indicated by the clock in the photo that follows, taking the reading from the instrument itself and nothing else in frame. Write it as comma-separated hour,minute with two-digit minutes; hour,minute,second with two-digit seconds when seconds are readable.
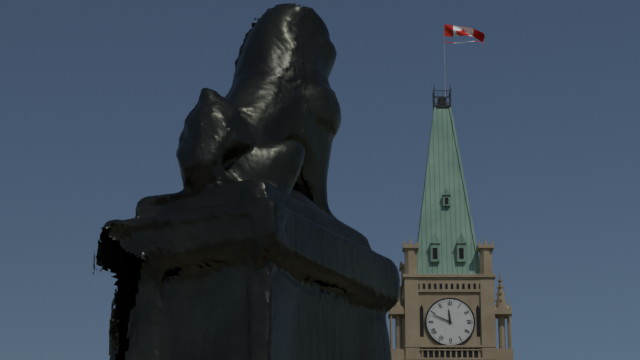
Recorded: 11,49
